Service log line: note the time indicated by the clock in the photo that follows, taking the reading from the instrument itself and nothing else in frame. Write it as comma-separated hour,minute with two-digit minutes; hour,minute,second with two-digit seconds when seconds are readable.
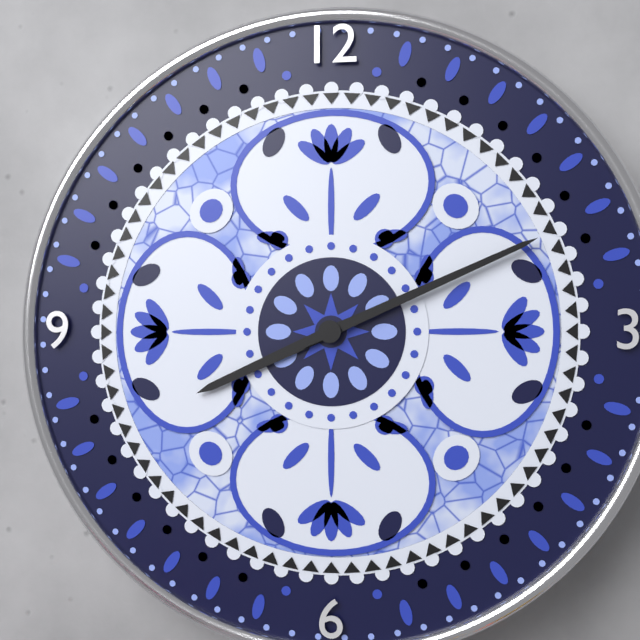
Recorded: 8,11
